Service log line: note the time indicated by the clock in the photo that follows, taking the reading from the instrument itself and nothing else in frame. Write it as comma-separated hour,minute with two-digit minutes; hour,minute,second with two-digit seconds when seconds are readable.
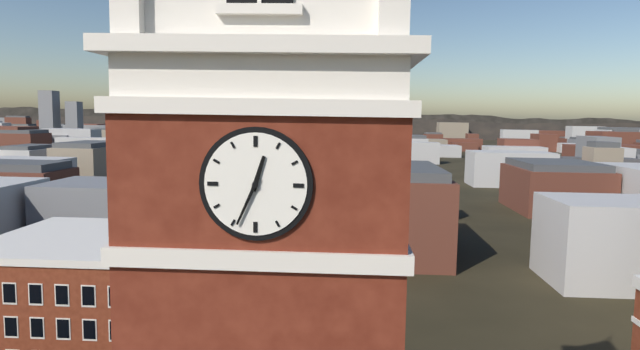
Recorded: 12,34
